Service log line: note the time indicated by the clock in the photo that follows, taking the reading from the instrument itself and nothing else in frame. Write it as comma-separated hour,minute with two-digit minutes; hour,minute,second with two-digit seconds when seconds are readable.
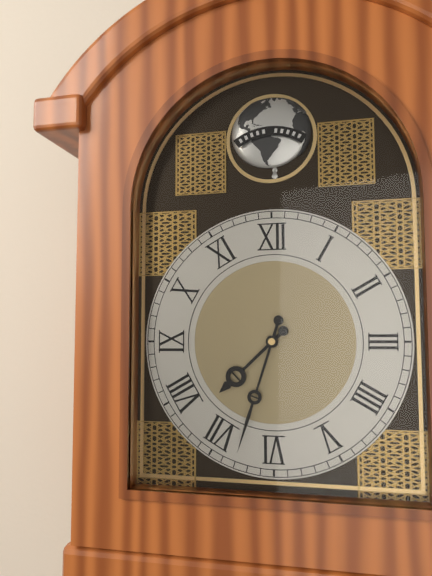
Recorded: 7,33
